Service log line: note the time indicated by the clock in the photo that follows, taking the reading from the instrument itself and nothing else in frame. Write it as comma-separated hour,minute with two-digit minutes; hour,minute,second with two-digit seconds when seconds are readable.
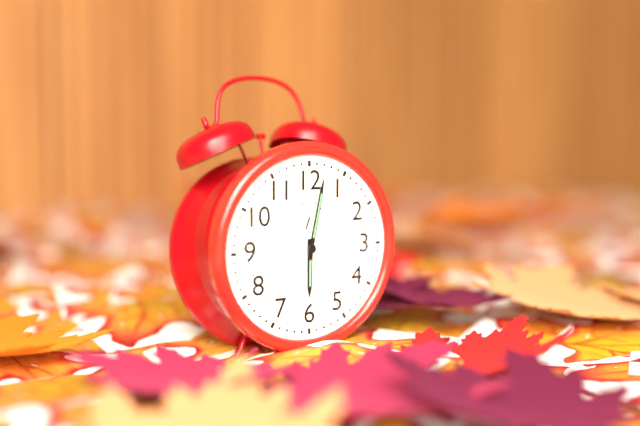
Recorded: 6,02
